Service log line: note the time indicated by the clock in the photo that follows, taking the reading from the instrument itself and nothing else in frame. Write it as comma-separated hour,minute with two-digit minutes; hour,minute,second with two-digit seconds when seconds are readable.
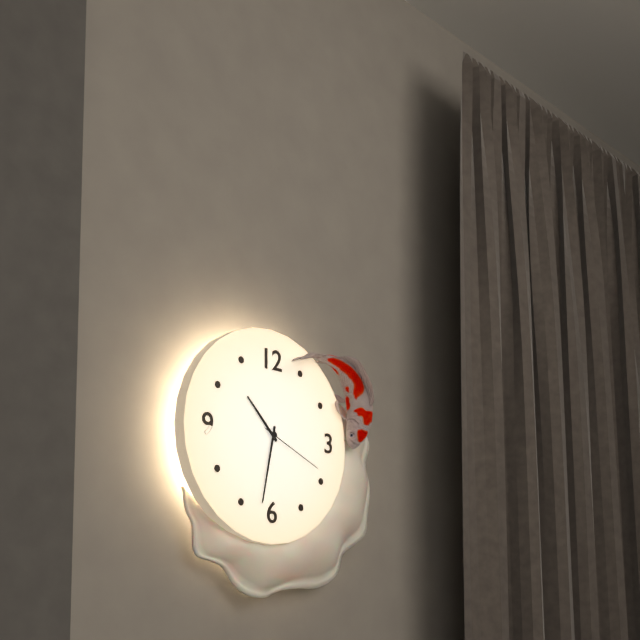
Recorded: 10,32,19
